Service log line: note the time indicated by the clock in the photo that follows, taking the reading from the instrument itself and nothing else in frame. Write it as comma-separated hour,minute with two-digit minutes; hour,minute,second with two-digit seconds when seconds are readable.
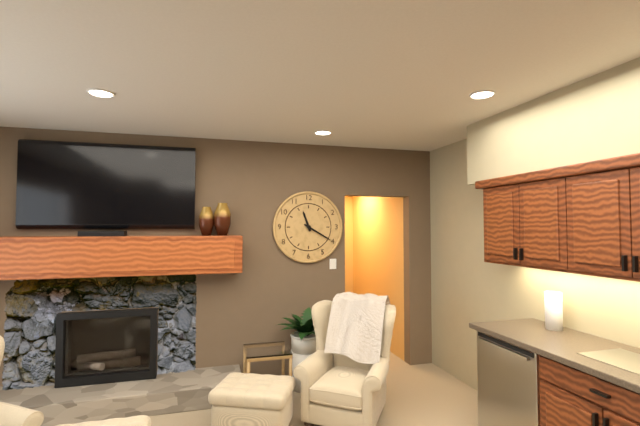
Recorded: 11,20
